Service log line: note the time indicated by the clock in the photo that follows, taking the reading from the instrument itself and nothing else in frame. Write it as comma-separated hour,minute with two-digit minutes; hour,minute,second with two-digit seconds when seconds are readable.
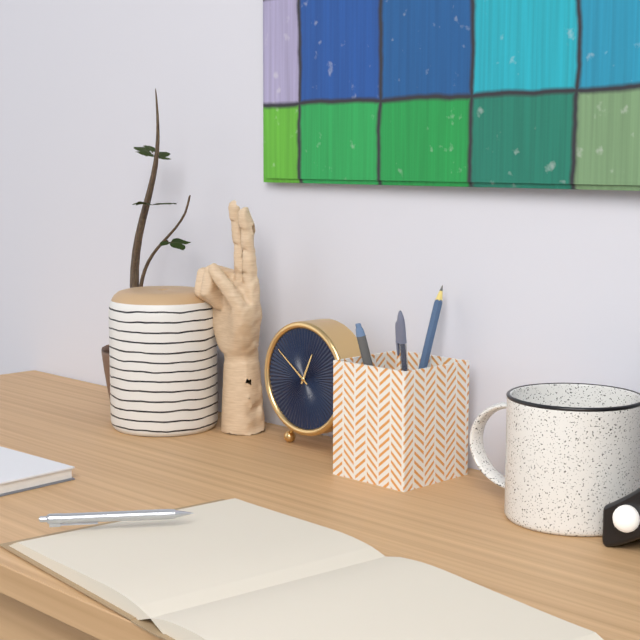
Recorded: 12,51
